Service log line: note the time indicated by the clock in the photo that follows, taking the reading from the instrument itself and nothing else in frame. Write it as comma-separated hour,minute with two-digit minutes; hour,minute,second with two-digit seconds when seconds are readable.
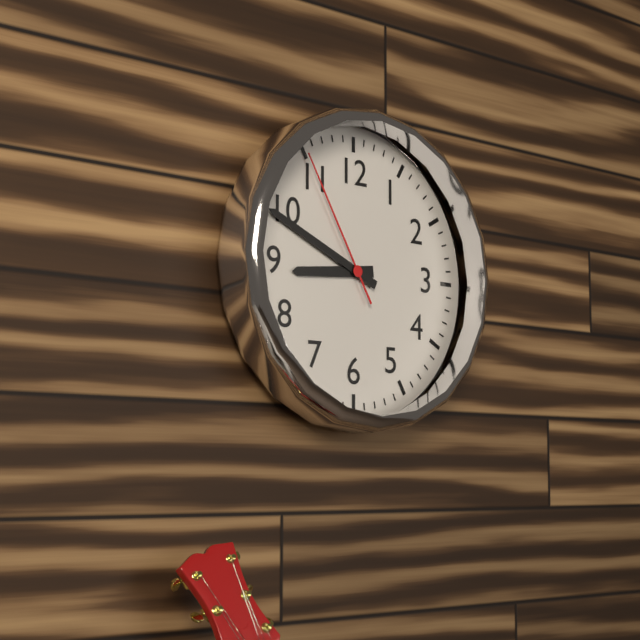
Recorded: 8,49,55
